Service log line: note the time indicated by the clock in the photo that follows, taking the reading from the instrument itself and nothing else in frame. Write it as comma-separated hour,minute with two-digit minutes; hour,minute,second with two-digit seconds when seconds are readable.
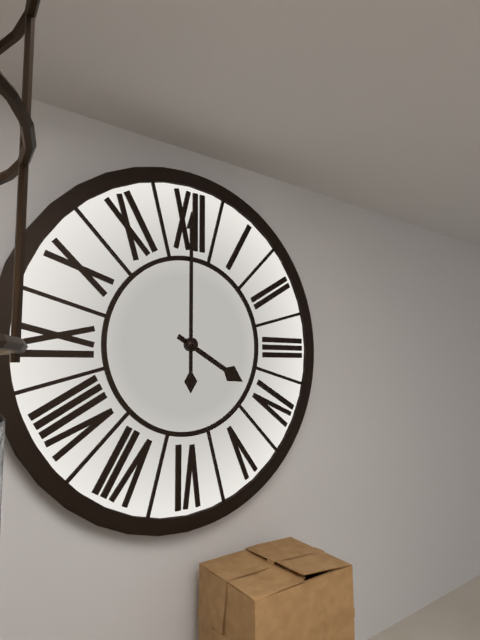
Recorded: 4,00
